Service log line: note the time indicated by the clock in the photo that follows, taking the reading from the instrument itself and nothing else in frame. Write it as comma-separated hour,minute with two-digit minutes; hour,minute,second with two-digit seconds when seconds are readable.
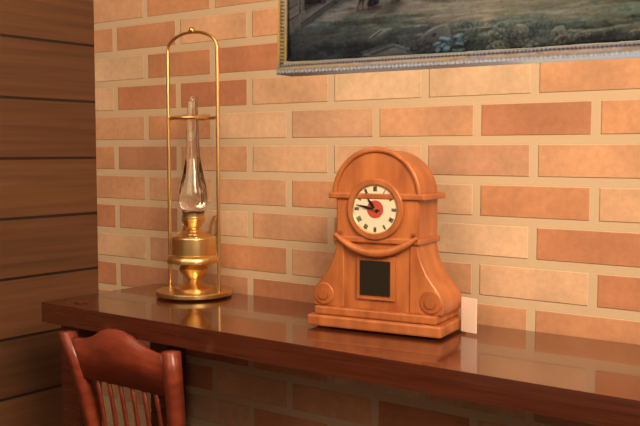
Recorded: 10,47
